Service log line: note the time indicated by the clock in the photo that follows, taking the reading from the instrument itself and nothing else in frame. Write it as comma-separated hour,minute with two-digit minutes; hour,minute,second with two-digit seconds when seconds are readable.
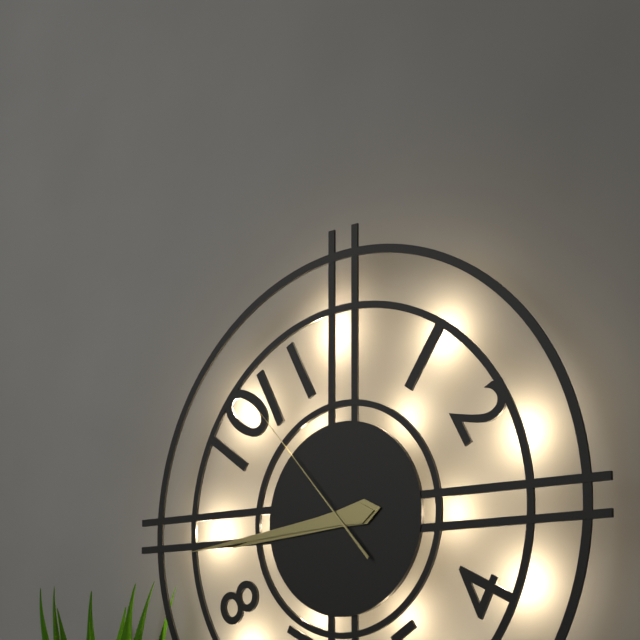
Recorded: 8,44,53
